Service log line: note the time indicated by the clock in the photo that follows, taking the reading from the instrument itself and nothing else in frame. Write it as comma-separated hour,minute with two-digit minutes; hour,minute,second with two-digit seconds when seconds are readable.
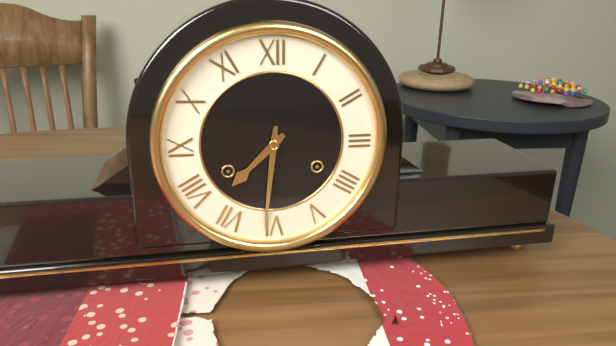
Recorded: 7,31
